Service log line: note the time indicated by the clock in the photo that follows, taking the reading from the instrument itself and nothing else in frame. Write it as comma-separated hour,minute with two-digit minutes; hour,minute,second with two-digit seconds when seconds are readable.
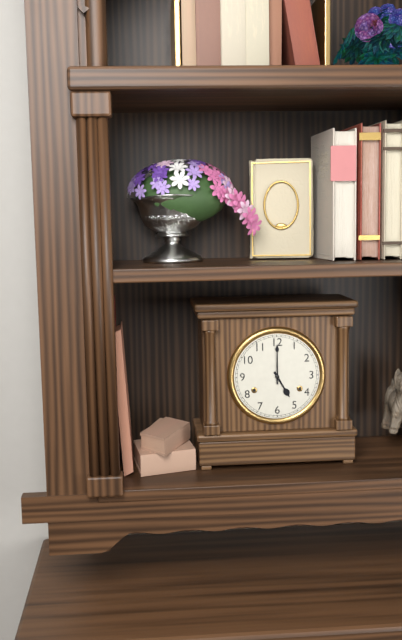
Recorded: 5,00
